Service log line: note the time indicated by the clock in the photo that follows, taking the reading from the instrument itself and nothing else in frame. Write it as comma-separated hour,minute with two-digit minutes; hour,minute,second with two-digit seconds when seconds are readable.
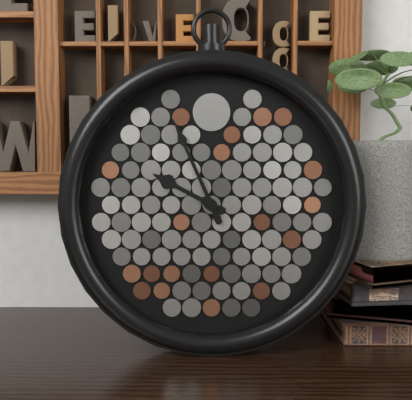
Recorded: 9,56
